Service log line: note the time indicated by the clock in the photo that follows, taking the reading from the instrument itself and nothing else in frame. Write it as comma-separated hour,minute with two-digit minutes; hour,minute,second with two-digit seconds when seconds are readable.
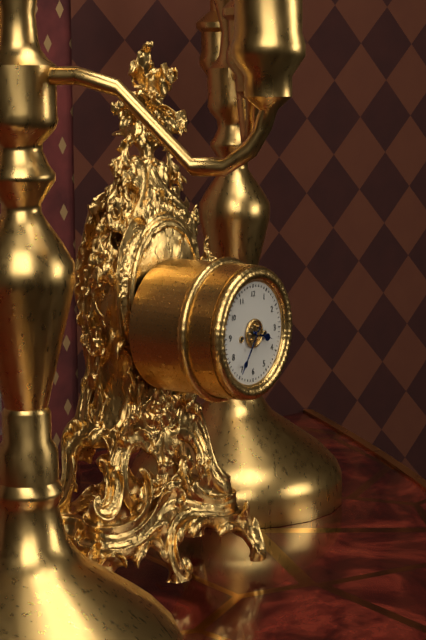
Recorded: 3,36
